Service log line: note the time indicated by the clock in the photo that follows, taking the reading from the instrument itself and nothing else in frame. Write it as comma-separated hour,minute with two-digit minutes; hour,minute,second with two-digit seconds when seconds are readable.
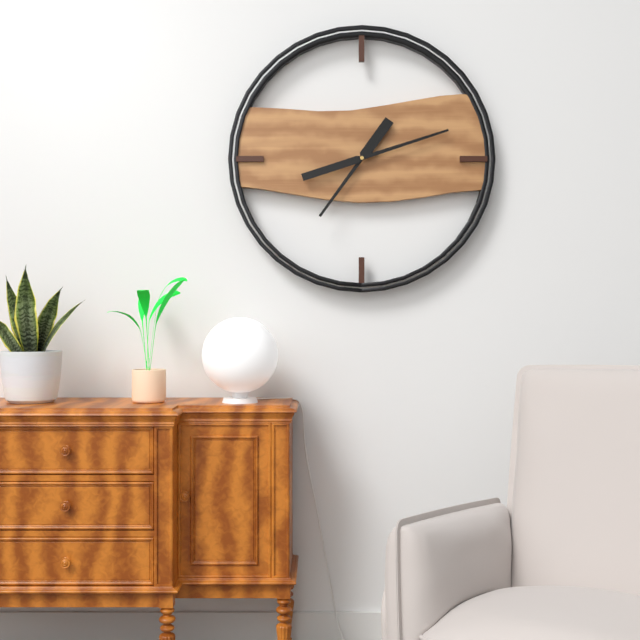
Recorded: 7,12
